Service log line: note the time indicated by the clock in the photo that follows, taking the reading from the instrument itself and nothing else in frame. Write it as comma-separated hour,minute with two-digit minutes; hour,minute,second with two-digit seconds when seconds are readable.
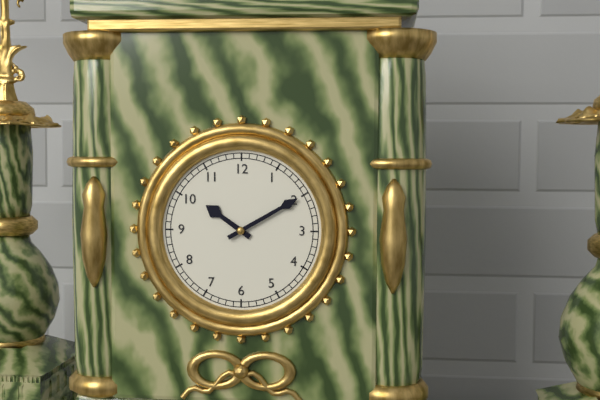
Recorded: 10,10
